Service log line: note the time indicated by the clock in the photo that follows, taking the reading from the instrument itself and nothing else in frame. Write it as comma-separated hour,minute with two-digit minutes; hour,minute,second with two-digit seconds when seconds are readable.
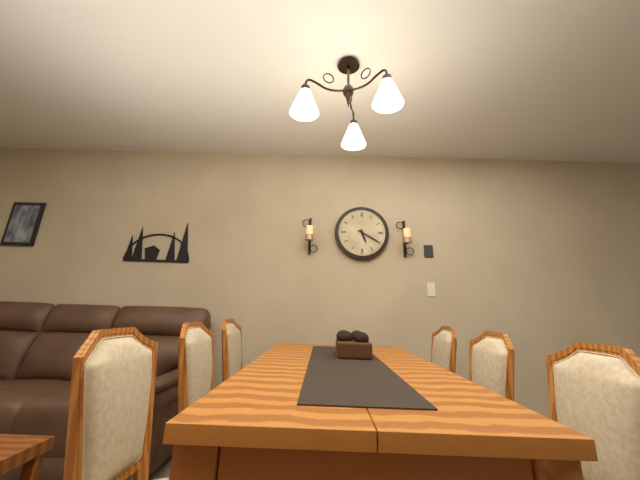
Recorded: 5,20
